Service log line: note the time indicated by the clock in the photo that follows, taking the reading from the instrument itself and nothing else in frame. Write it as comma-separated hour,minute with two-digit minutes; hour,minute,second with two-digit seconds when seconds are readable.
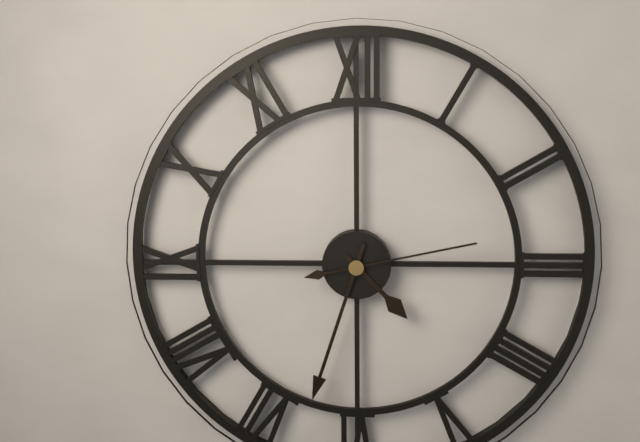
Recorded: 4,33,13
